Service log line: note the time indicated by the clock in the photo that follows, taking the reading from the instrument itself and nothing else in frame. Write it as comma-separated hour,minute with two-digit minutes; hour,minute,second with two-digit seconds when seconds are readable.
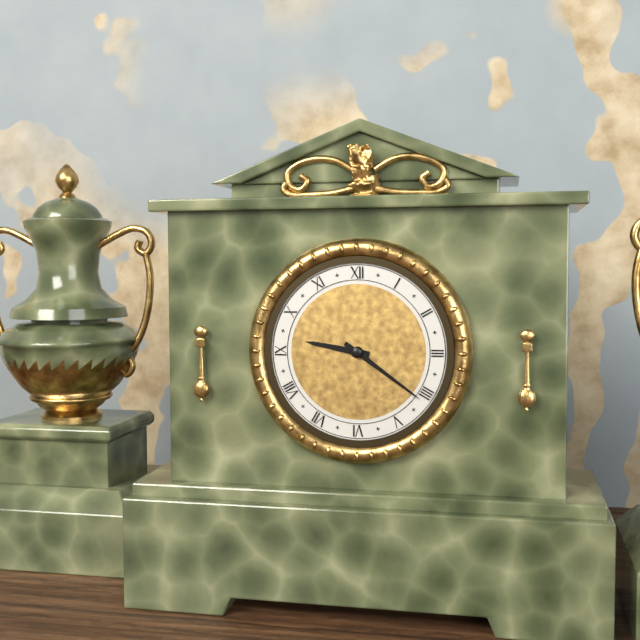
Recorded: 9,21
